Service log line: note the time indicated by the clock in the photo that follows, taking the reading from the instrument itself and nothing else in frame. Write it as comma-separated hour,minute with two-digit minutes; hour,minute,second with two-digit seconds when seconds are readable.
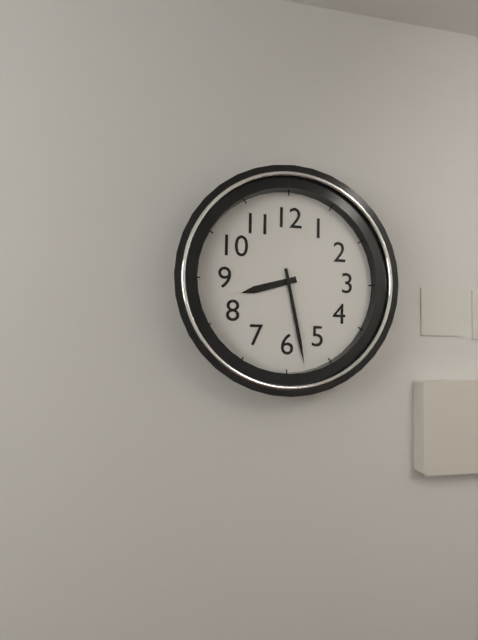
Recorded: 8,28
